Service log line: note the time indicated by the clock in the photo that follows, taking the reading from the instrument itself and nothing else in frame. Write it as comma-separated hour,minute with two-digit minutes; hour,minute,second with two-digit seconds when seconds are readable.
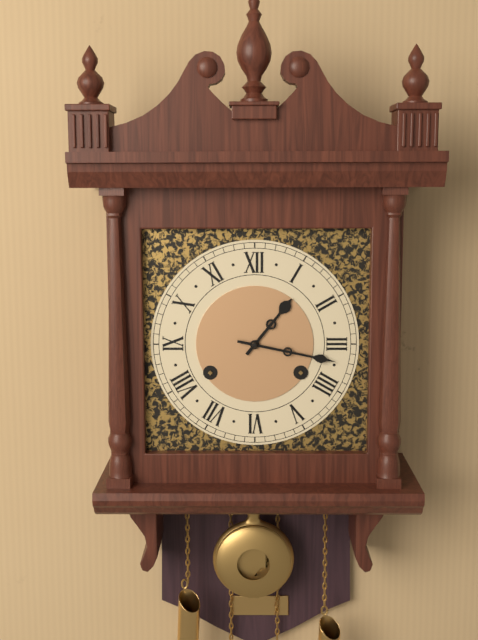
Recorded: 1,17
